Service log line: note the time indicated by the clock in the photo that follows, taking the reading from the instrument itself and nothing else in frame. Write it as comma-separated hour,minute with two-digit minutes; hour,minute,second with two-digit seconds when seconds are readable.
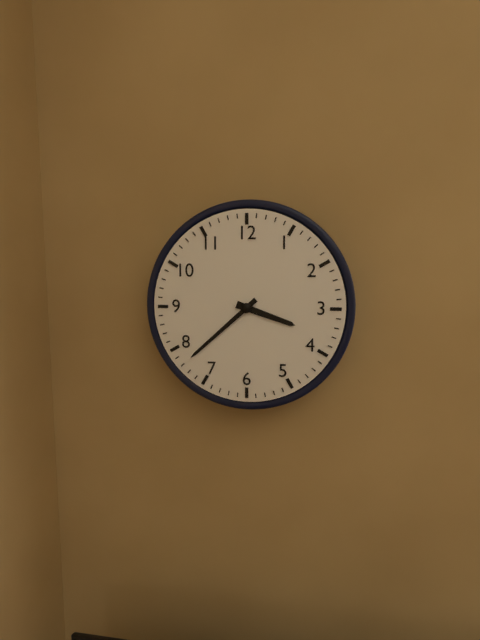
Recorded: 3,38
